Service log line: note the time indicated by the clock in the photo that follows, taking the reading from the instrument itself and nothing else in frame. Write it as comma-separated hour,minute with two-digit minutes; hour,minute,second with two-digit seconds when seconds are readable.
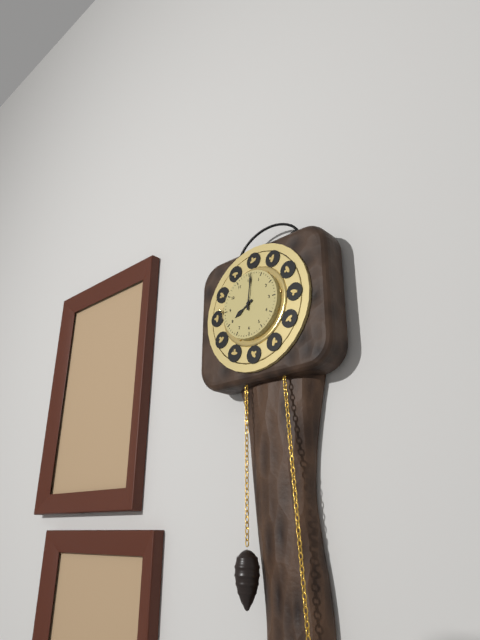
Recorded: 8,01
